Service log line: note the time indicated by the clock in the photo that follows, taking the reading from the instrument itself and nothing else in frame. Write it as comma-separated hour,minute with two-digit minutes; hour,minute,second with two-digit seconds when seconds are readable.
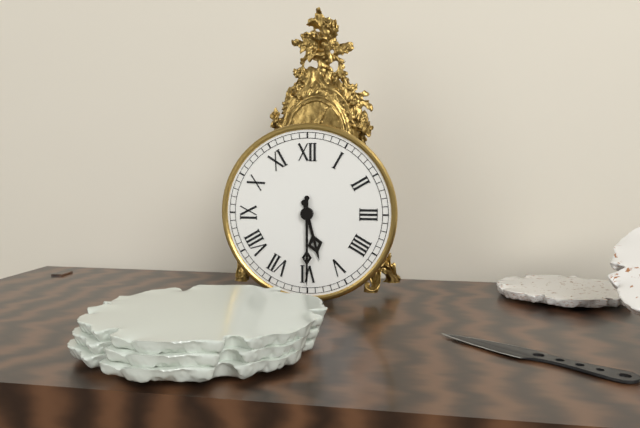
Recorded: 5,30
